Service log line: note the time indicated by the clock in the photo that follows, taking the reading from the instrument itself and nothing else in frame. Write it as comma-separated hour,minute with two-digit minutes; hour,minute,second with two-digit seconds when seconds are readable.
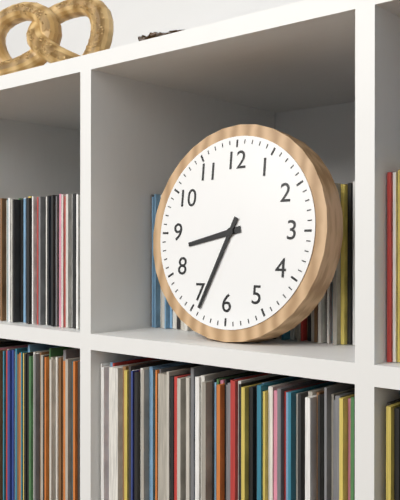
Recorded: 8,34
